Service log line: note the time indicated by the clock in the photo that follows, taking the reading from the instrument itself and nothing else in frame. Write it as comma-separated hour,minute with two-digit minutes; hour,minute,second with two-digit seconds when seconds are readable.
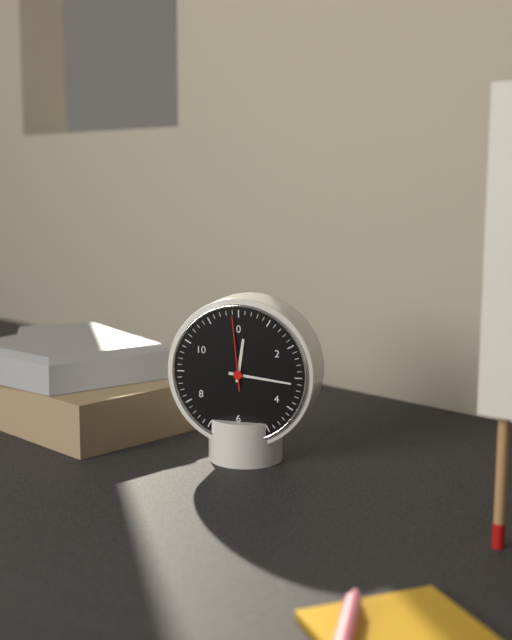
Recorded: 12,16,59
